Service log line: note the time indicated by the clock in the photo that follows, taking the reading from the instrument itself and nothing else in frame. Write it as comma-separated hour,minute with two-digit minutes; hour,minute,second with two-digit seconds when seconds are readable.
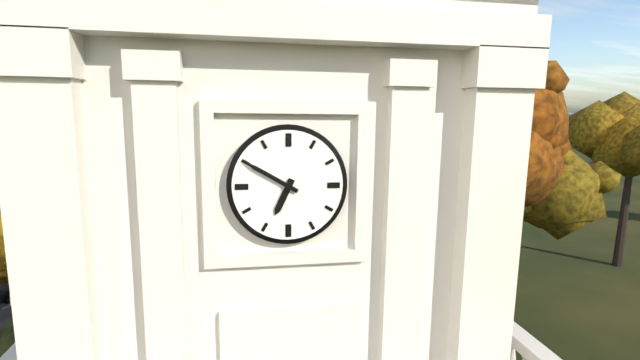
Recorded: 6,50
